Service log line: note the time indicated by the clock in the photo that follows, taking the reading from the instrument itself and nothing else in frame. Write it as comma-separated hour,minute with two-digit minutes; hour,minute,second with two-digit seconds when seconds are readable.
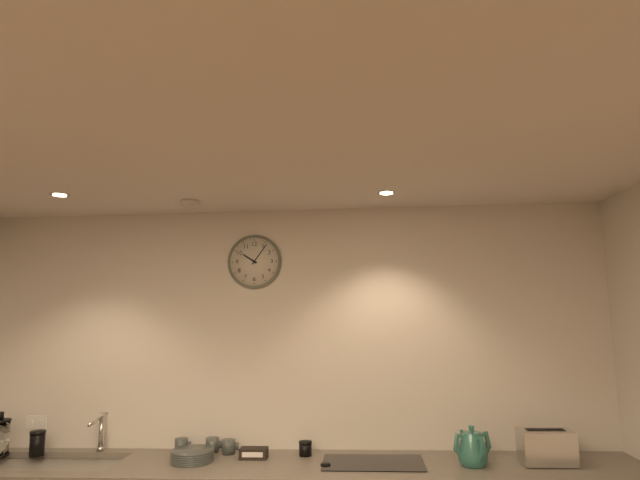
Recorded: 10,06
